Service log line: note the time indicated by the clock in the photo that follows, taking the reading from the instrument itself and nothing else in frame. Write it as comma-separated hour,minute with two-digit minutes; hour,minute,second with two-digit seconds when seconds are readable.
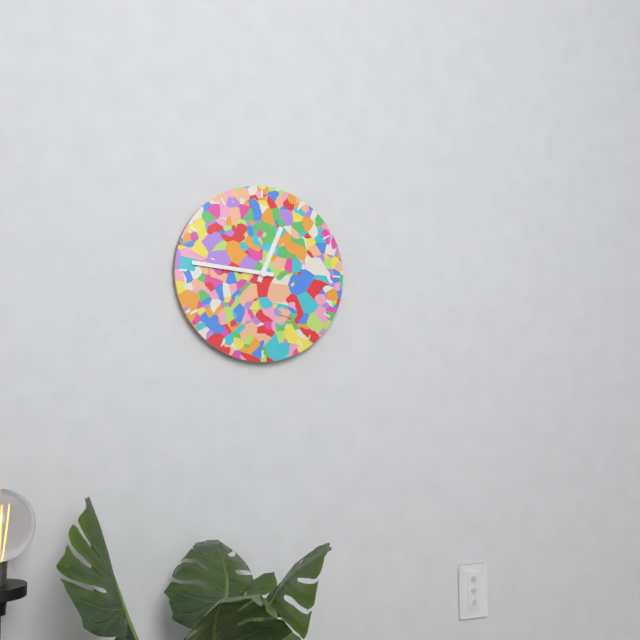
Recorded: 12,46
